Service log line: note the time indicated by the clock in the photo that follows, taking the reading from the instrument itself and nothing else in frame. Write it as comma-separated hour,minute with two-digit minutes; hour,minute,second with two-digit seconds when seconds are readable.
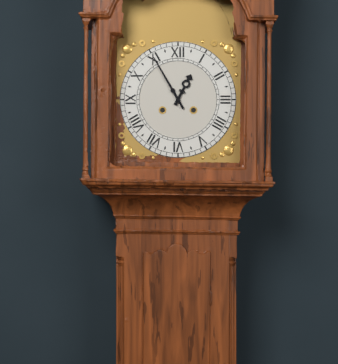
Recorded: 12,55
